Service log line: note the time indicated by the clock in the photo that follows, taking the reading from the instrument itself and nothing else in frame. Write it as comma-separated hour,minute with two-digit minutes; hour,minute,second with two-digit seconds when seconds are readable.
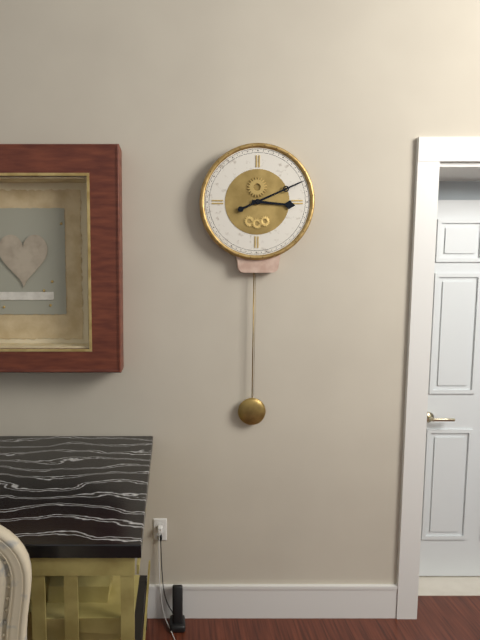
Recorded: 3,11
